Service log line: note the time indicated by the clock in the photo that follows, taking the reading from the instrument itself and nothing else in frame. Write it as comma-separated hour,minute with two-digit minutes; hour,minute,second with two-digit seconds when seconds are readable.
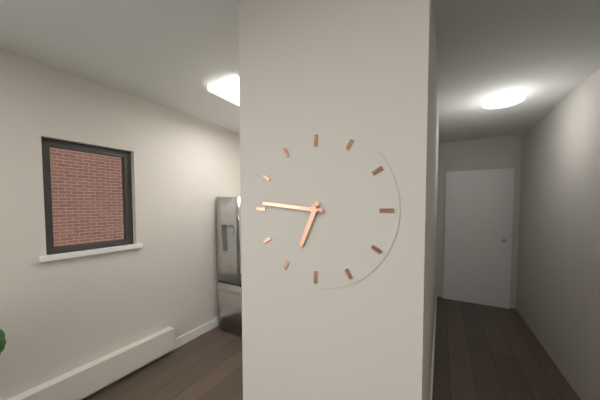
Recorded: 6,46
